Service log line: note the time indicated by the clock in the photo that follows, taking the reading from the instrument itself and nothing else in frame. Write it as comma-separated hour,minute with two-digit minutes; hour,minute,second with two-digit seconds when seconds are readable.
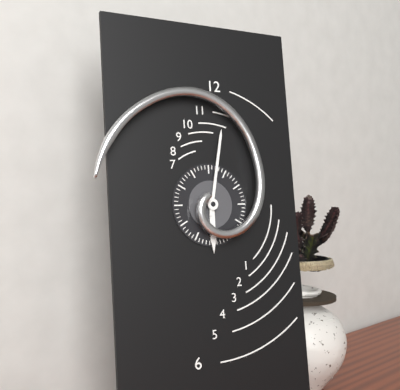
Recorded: 6,02
